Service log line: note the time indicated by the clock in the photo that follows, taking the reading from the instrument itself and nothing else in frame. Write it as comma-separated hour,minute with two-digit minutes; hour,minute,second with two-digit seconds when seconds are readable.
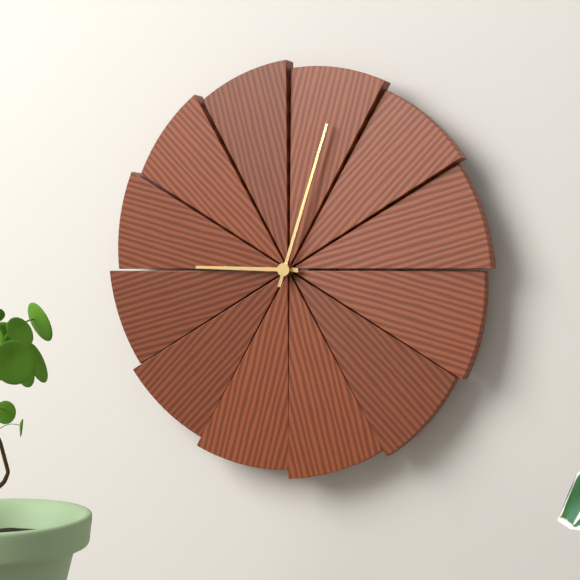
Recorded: 9,03
